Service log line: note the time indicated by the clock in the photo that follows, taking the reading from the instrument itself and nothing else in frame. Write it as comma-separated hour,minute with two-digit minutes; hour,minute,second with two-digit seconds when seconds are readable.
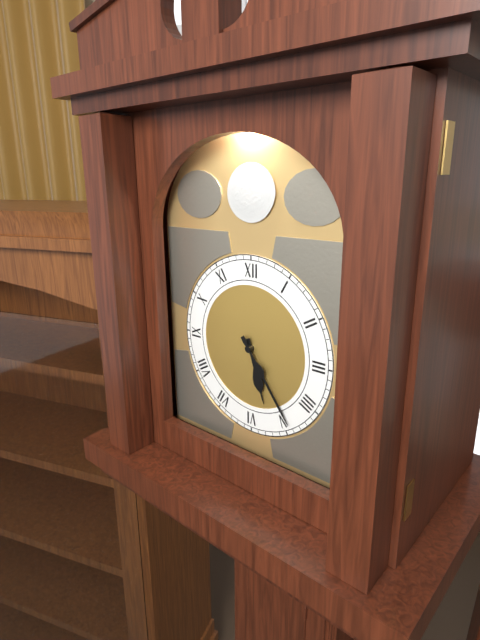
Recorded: 5,24
